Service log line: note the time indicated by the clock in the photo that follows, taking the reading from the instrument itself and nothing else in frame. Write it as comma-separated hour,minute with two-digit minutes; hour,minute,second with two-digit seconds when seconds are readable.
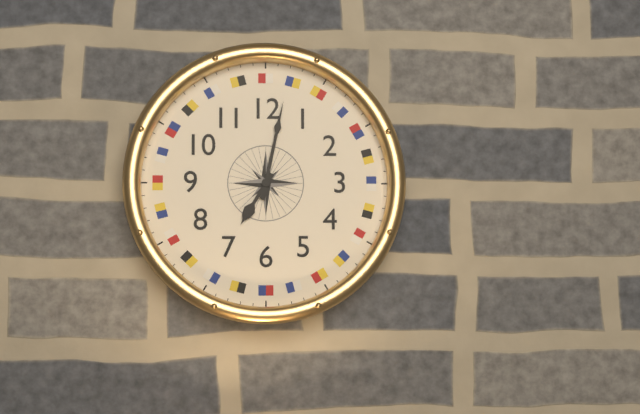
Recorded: 7,02
